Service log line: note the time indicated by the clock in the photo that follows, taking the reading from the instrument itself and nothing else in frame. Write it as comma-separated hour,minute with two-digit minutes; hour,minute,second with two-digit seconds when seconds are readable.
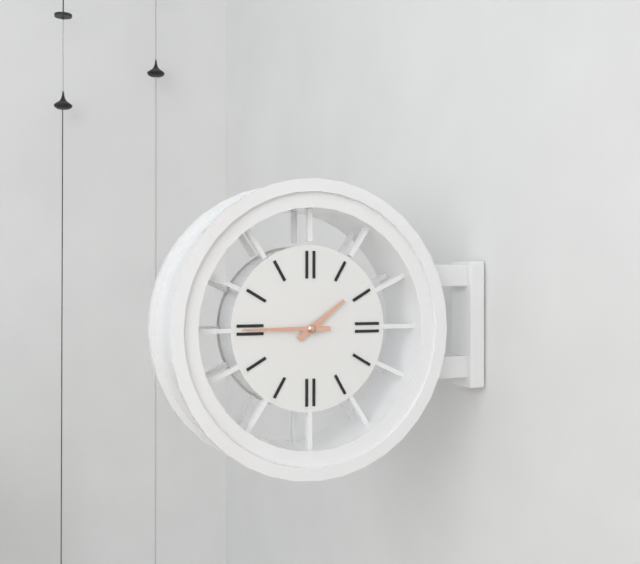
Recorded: 1,45
